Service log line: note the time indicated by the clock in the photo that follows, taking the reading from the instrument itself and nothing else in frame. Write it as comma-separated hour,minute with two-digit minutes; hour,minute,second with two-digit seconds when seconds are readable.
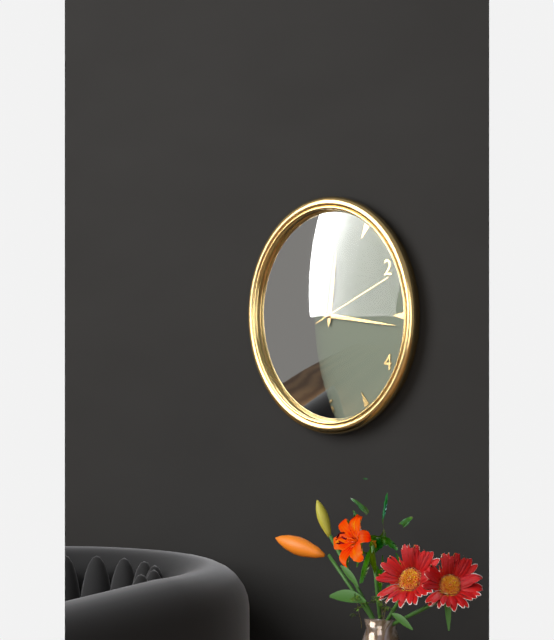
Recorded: 12,16,11
